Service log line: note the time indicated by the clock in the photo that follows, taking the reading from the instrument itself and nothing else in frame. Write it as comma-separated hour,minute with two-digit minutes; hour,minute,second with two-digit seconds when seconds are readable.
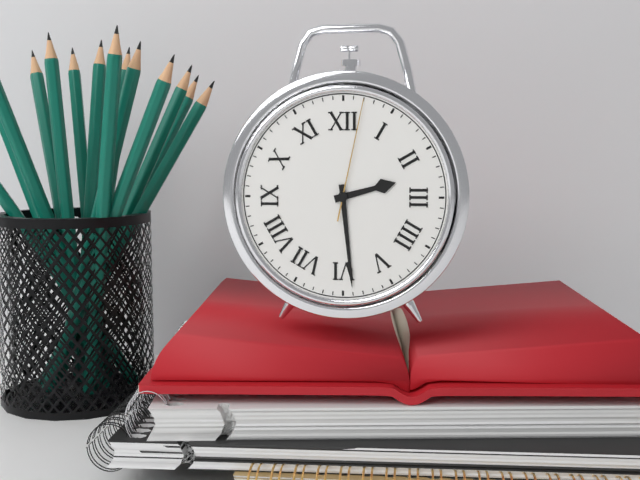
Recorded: 2,29,02
